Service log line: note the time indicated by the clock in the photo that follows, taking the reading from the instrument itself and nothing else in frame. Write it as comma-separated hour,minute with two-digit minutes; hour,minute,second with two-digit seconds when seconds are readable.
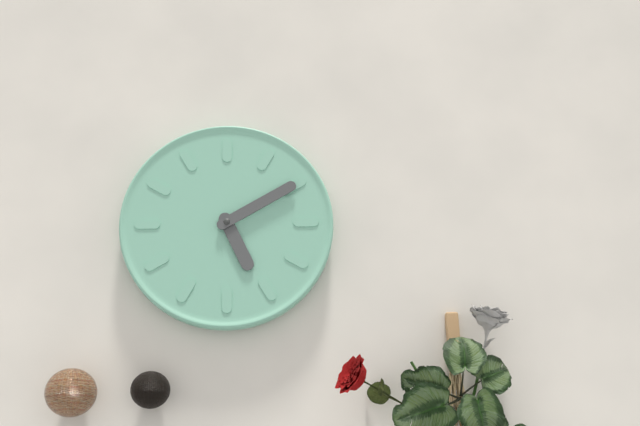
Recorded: 5,10
